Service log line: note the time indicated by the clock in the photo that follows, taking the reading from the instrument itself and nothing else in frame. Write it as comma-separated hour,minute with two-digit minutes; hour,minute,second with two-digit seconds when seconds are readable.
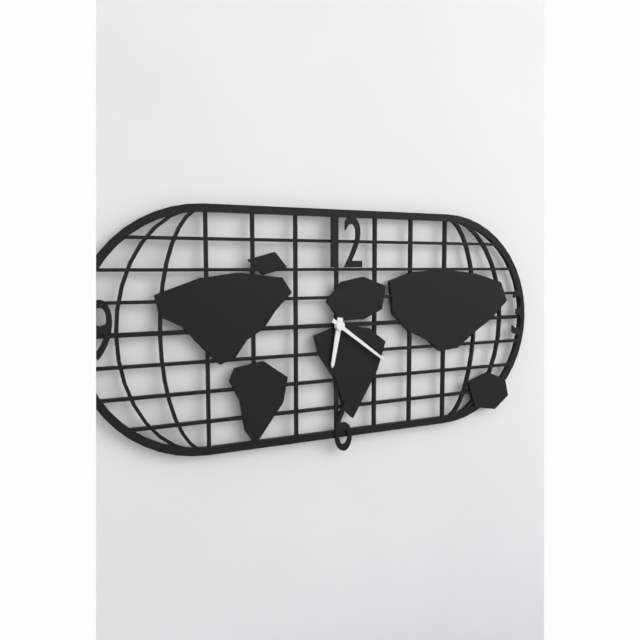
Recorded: 6,21
